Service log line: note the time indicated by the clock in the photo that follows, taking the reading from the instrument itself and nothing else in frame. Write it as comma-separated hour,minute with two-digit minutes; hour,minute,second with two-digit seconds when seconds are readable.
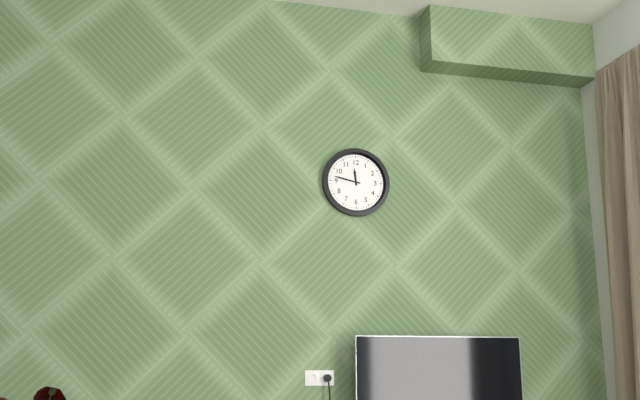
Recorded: 11,47
